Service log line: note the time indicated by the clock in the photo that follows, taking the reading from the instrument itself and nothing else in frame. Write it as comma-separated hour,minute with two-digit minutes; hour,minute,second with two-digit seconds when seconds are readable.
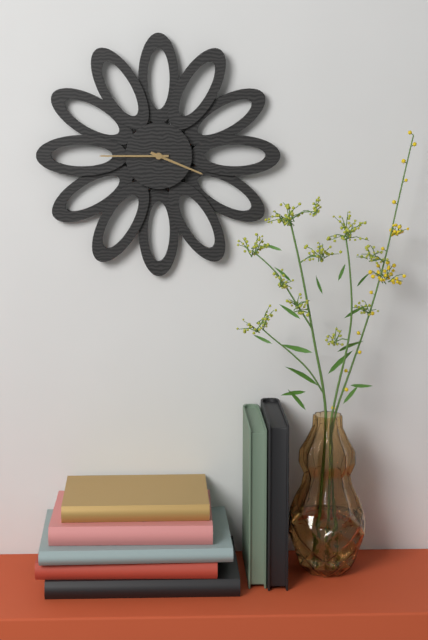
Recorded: 3,45
